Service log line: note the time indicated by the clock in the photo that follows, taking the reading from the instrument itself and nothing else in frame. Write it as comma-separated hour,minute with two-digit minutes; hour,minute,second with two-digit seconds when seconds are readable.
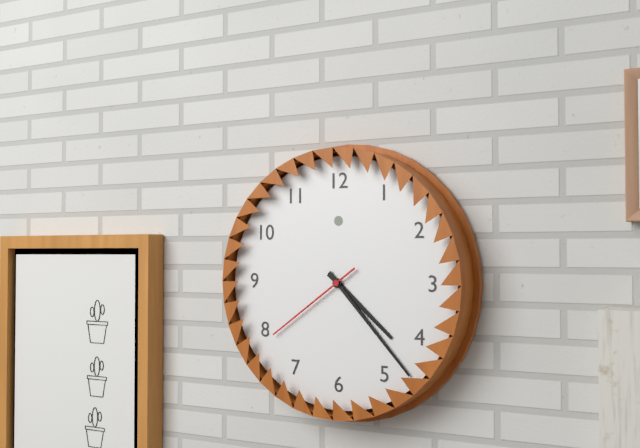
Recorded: 4,23,39
